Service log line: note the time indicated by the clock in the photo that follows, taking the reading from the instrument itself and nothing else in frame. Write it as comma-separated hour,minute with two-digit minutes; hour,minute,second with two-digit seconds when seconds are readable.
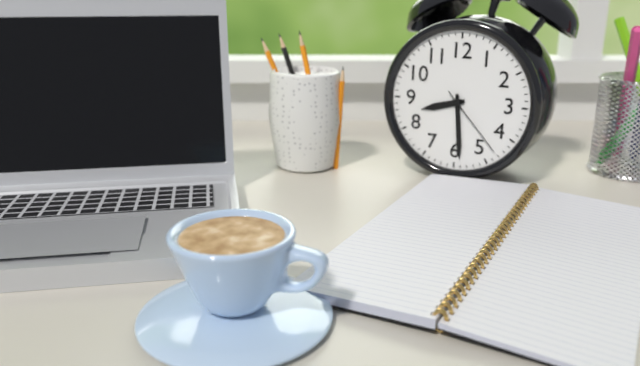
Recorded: 8,29,23
